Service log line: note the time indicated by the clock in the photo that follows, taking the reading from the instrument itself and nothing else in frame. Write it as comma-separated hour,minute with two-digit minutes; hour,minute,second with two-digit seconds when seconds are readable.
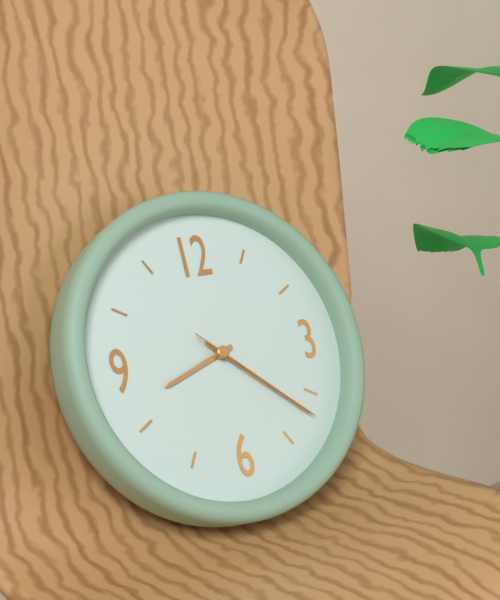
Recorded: 8,22,22
